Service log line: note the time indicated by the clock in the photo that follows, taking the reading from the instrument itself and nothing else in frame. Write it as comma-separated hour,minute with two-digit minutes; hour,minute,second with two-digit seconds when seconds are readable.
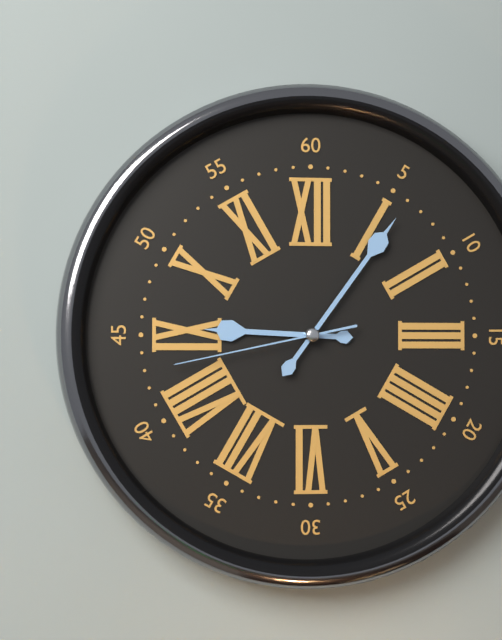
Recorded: 9,06,43
